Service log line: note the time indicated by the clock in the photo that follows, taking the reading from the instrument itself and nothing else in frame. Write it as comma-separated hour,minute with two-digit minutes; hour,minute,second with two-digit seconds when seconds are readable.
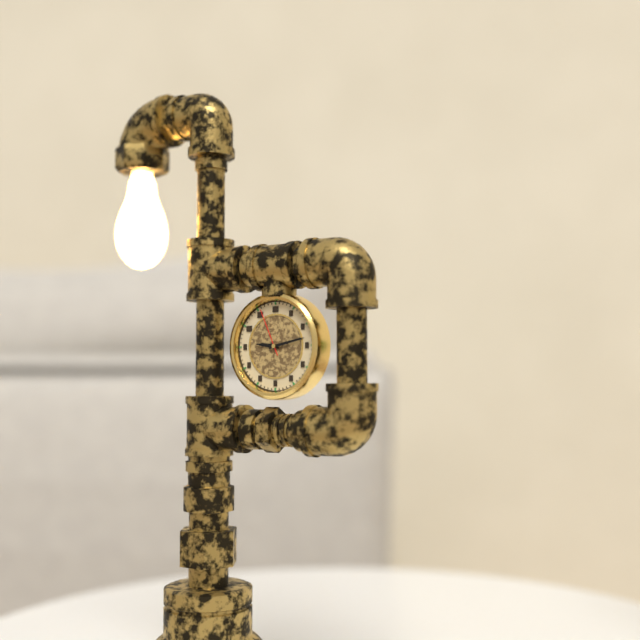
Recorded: 9,13,56
